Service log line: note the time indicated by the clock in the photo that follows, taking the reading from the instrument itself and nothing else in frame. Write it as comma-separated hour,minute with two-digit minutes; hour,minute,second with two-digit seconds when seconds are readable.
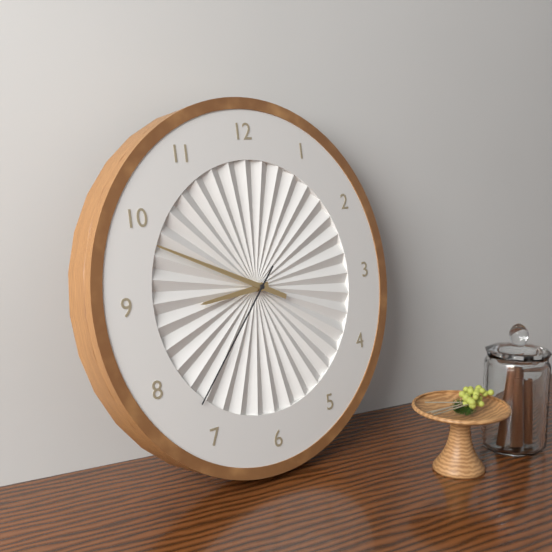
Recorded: 8,49,37
